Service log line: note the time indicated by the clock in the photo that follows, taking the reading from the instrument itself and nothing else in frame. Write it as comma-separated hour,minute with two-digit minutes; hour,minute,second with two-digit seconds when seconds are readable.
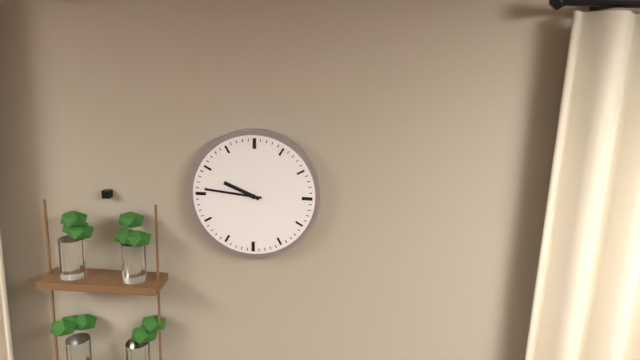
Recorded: 9,46
